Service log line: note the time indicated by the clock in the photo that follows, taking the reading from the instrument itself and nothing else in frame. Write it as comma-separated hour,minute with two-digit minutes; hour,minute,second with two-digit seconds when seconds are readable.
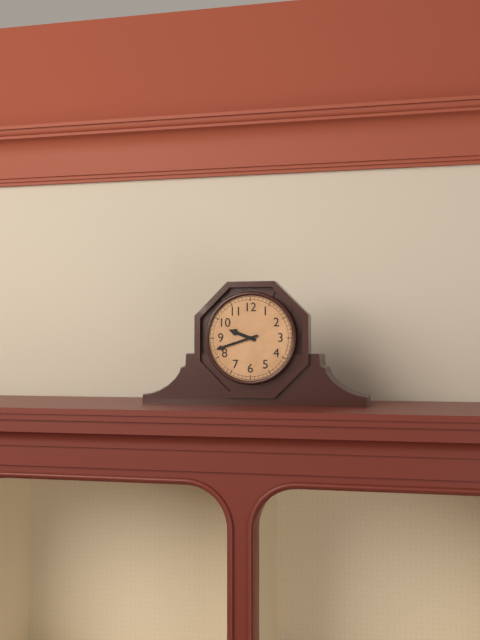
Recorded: 9,42
